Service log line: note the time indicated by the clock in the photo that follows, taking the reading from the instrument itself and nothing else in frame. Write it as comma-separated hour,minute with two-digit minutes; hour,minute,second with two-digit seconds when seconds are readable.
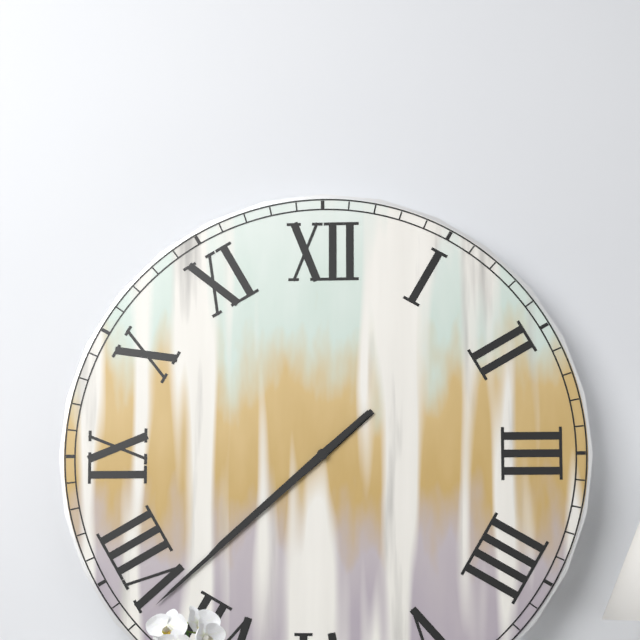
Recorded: 7,38
